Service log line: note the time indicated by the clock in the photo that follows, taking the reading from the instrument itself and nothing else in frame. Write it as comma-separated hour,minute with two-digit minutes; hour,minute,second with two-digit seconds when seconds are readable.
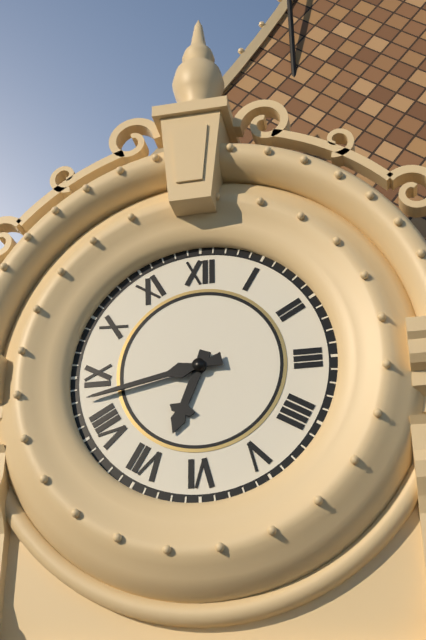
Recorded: 6,43
